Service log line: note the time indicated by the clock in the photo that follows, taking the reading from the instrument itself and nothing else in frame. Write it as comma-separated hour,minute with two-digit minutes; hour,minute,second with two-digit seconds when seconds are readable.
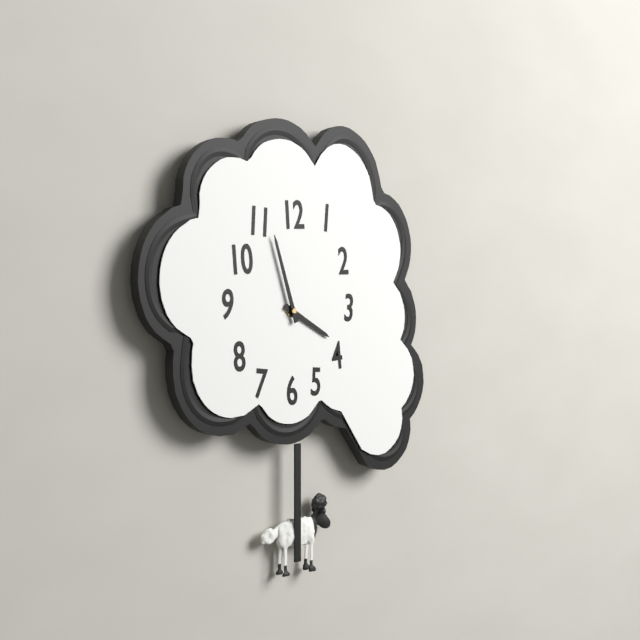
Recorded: 3,57
